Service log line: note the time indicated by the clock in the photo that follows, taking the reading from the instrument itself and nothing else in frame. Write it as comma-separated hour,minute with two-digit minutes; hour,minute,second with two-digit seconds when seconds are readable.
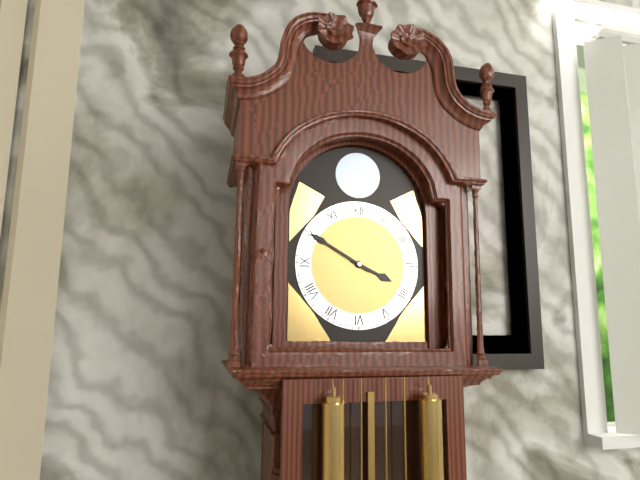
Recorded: 3,50
